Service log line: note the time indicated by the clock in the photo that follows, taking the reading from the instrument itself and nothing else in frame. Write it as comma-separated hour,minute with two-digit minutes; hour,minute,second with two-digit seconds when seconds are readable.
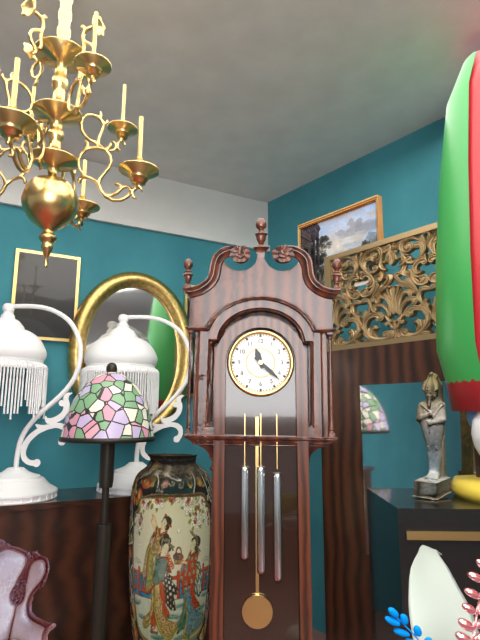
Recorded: 11,22
